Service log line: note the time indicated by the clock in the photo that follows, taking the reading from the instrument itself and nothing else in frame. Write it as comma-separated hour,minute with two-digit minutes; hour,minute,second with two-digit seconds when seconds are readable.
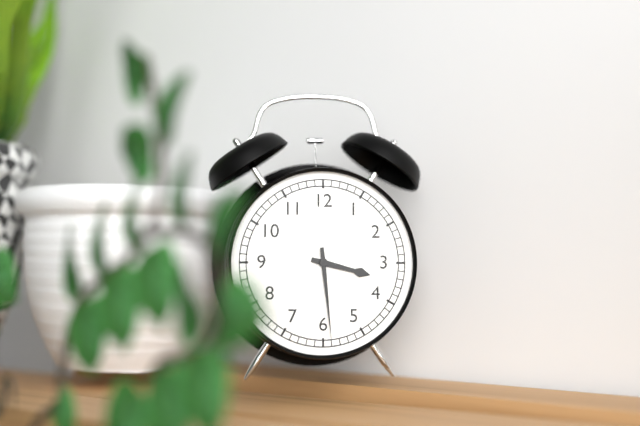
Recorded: 3,29
